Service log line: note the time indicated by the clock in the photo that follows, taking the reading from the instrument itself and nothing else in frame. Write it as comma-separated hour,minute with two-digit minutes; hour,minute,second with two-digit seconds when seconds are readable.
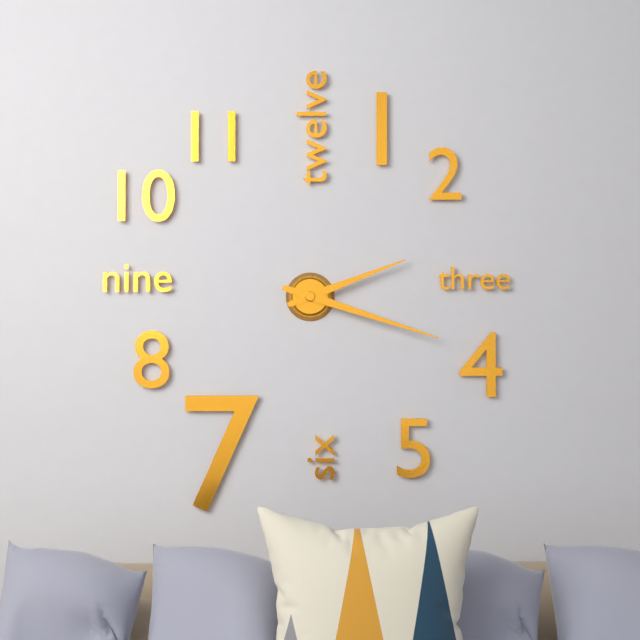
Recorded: 2,18
